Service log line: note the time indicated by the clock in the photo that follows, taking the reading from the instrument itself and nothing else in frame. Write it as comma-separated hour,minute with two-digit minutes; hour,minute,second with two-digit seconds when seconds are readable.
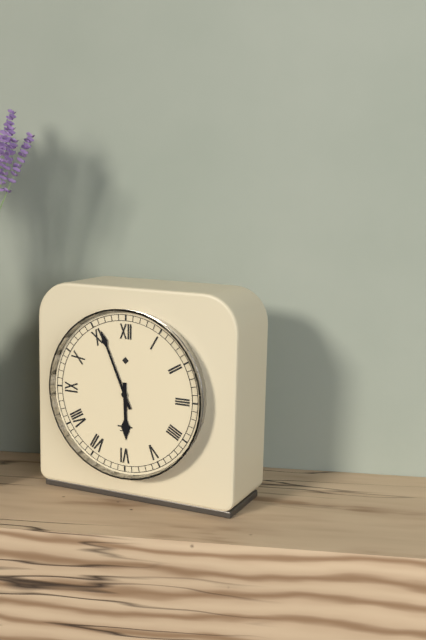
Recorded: 5,56
